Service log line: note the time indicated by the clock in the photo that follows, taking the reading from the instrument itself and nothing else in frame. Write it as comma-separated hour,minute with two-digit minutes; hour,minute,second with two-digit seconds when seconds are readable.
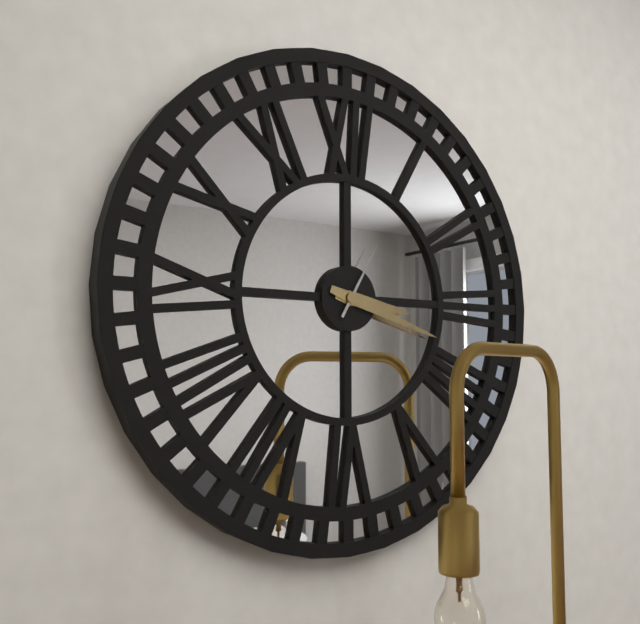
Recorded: 3,18,05
